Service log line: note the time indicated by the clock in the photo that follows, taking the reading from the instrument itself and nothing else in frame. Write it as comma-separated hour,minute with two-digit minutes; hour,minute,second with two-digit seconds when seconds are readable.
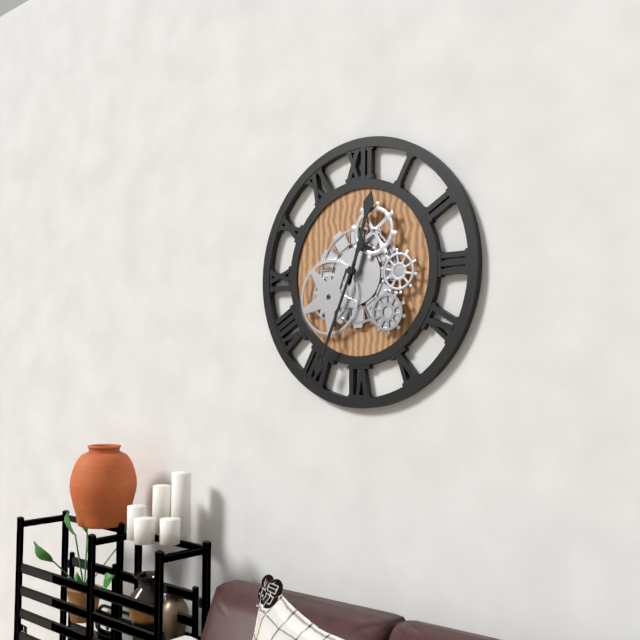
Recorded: 12,34
